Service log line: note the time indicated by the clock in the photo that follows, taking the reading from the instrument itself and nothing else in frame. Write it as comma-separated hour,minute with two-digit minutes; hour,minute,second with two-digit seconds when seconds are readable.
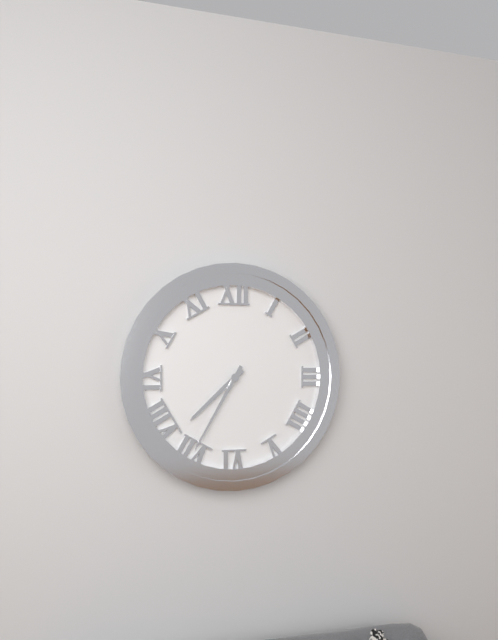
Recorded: 7,35
